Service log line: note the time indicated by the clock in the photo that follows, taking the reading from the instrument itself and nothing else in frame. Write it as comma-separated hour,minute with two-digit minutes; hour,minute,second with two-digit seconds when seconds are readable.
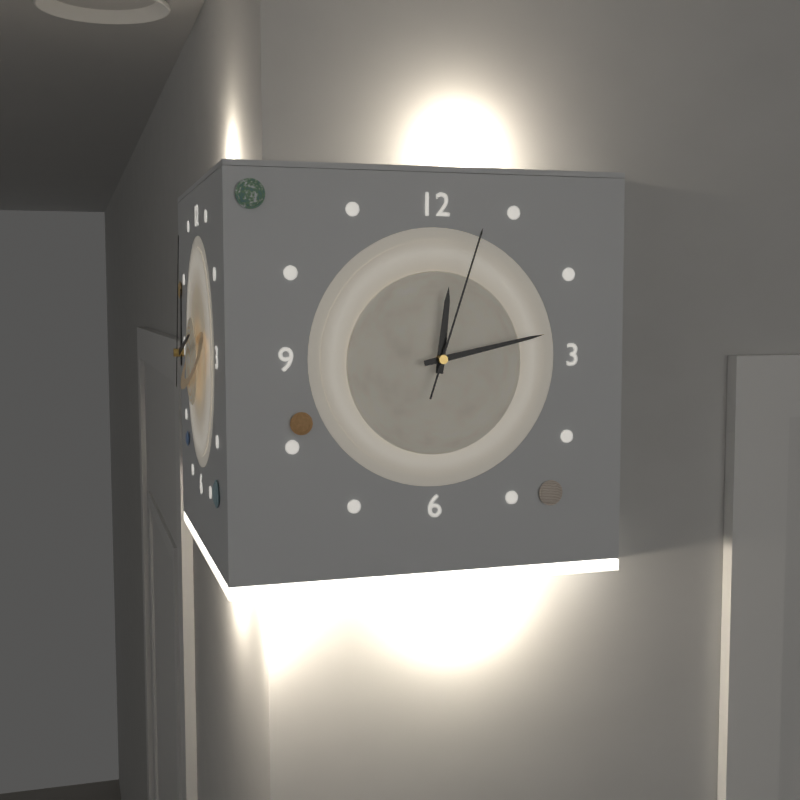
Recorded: 12,13,03
